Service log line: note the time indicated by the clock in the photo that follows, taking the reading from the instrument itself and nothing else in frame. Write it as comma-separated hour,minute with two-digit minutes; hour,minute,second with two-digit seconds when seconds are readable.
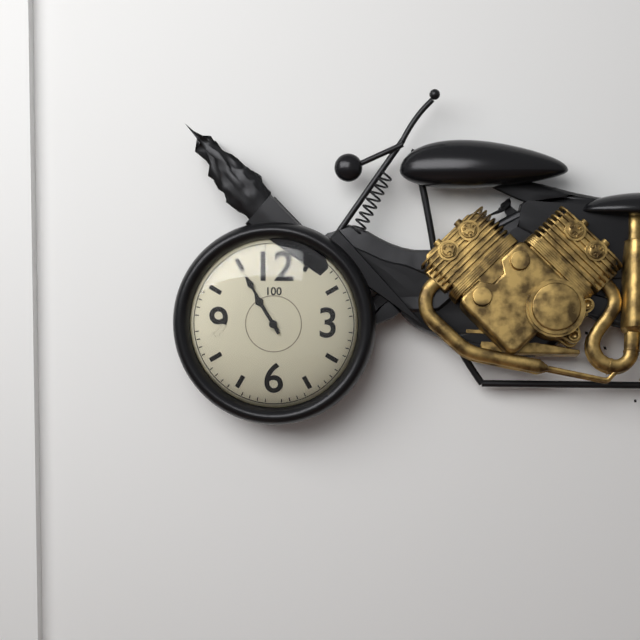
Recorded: 10,55
